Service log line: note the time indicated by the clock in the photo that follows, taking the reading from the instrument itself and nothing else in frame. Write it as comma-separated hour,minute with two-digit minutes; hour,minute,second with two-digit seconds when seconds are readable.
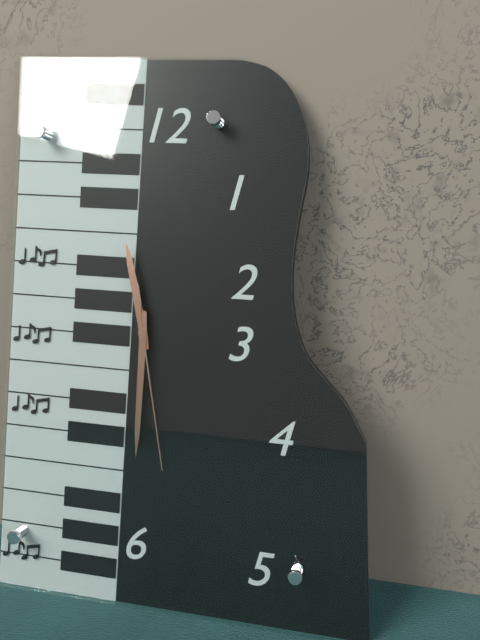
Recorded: 11,30,28
